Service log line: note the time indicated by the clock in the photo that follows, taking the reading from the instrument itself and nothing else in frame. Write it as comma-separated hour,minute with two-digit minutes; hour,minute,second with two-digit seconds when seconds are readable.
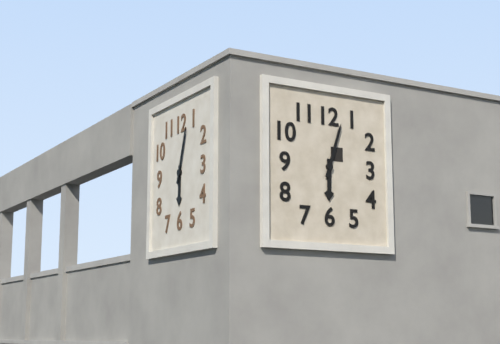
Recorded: 6,03
